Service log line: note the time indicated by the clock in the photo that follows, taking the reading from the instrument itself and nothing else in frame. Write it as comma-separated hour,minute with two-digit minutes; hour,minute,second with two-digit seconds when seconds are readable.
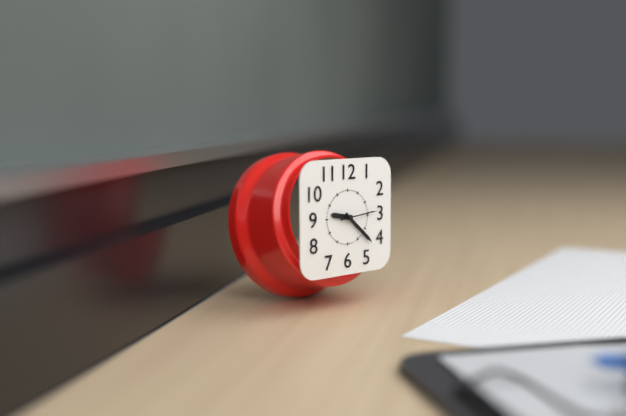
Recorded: 9,22
